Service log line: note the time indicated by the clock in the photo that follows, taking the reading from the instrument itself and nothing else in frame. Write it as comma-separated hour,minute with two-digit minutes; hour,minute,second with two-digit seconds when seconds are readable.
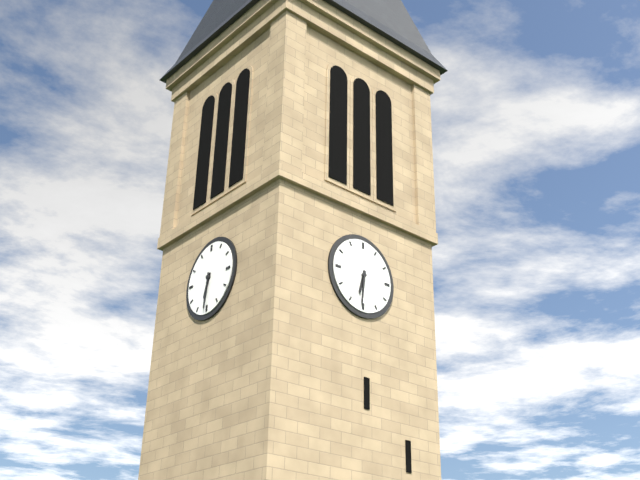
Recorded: 6,31
